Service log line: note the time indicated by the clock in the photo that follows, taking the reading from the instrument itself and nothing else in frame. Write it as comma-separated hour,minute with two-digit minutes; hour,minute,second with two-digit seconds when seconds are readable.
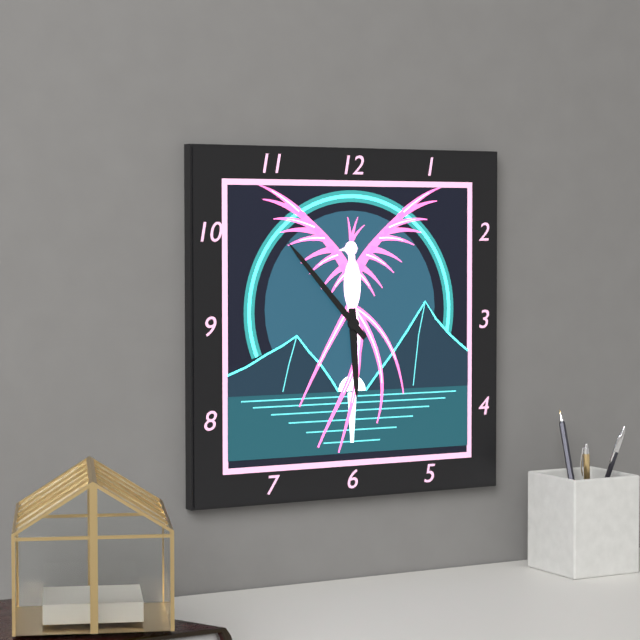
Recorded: 5,53
